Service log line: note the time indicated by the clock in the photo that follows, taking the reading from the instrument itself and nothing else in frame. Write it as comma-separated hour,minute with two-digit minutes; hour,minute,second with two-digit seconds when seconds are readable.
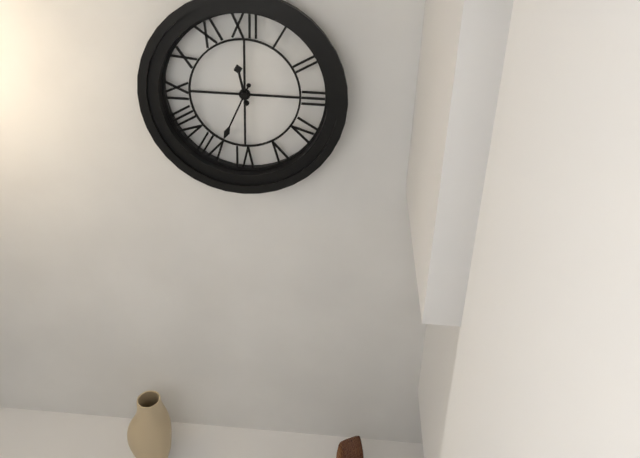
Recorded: 11,34
